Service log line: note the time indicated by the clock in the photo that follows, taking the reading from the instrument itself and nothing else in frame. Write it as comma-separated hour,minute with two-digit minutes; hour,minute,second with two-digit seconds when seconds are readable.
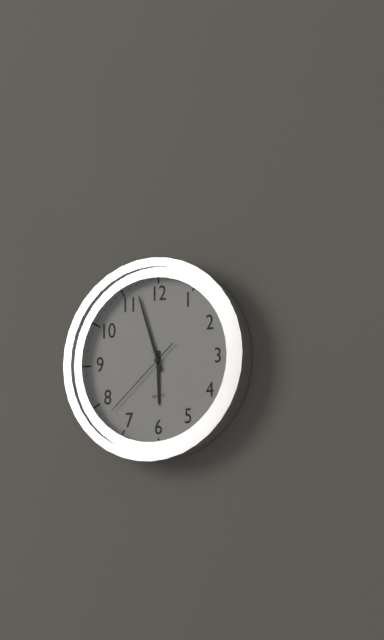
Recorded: 5,57,38
